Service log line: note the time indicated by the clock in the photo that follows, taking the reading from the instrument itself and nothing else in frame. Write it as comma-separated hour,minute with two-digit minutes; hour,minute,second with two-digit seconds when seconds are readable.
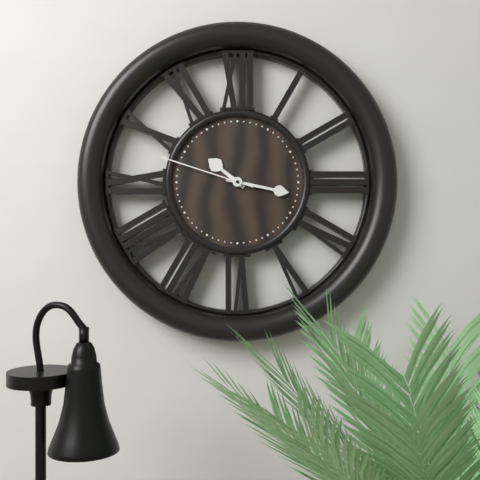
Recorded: 10,17,48
